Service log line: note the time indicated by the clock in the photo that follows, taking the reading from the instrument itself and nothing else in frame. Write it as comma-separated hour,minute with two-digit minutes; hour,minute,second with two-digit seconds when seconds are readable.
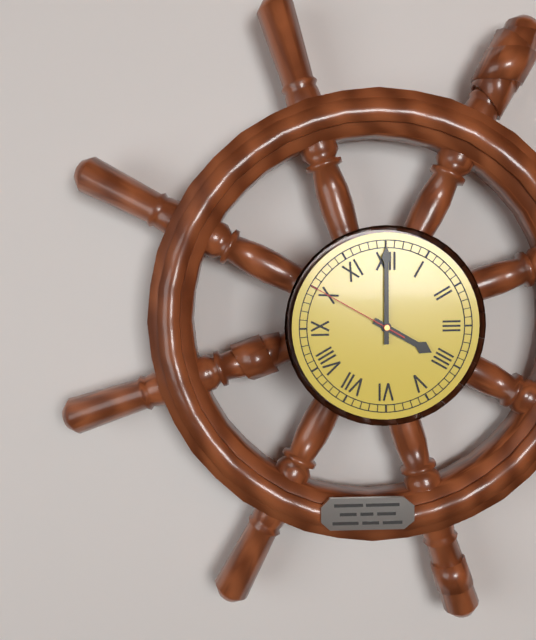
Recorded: 4,00,50
